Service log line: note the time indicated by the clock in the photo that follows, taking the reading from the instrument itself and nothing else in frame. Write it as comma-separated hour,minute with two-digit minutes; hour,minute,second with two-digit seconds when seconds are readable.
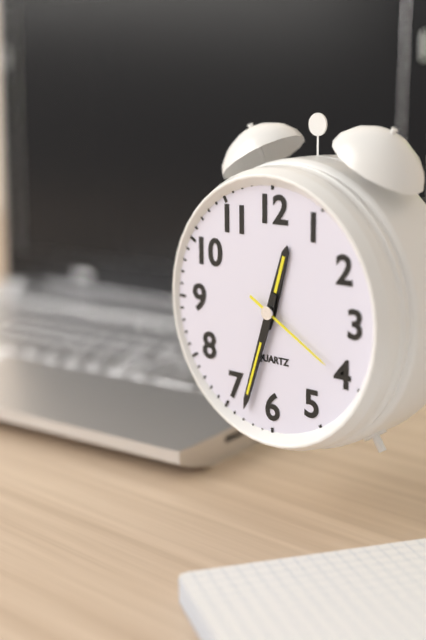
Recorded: 12,33,20
